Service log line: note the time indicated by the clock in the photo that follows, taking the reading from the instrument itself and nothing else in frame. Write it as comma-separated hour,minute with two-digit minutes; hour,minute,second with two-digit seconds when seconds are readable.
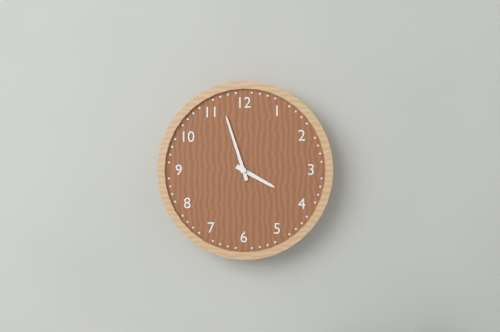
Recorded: 3,57
